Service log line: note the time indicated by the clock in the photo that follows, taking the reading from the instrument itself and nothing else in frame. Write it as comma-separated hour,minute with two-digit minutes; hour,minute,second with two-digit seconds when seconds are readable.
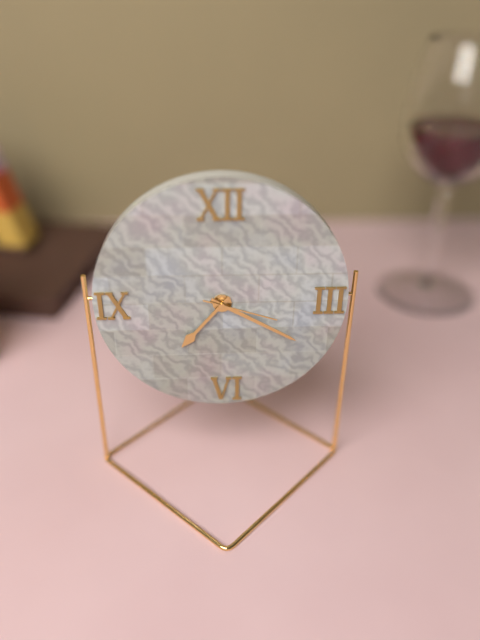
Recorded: 7,20,18
